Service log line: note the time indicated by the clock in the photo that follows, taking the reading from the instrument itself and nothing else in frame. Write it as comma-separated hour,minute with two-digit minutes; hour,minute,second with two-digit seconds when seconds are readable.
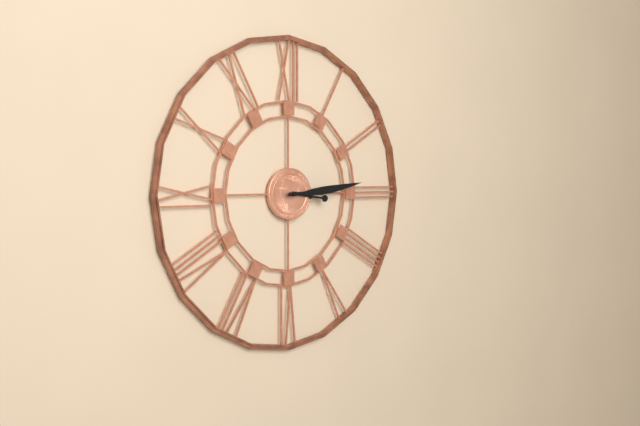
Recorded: 3,14
